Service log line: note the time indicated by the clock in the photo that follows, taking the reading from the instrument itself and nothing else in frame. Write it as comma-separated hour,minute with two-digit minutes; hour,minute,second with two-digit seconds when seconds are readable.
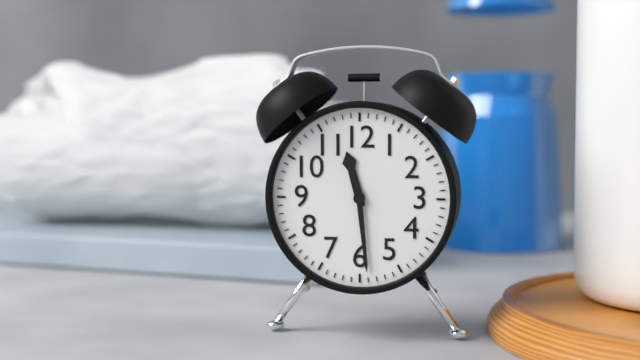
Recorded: 11,29
